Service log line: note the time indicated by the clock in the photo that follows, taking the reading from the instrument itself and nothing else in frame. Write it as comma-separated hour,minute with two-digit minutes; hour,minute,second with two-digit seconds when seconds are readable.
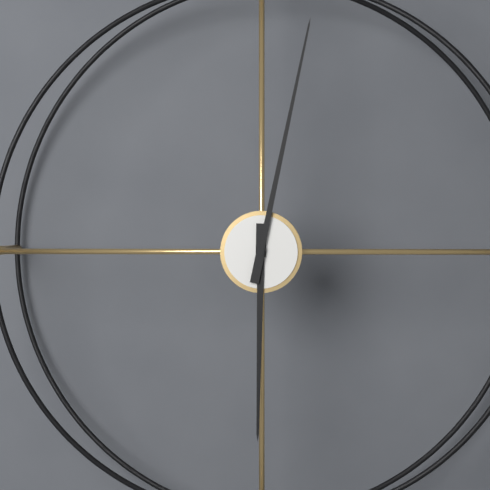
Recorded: 6,02
